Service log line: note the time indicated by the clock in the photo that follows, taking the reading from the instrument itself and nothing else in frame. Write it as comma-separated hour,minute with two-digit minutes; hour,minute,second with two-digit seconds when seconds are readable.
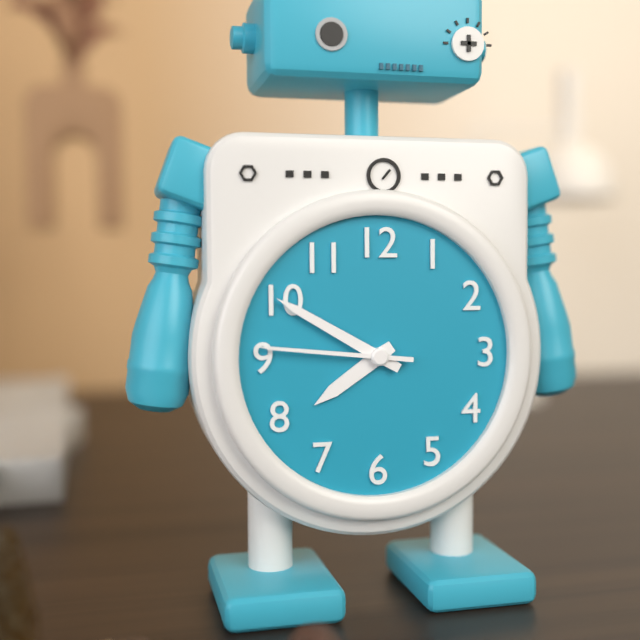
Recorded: 7,50,46
